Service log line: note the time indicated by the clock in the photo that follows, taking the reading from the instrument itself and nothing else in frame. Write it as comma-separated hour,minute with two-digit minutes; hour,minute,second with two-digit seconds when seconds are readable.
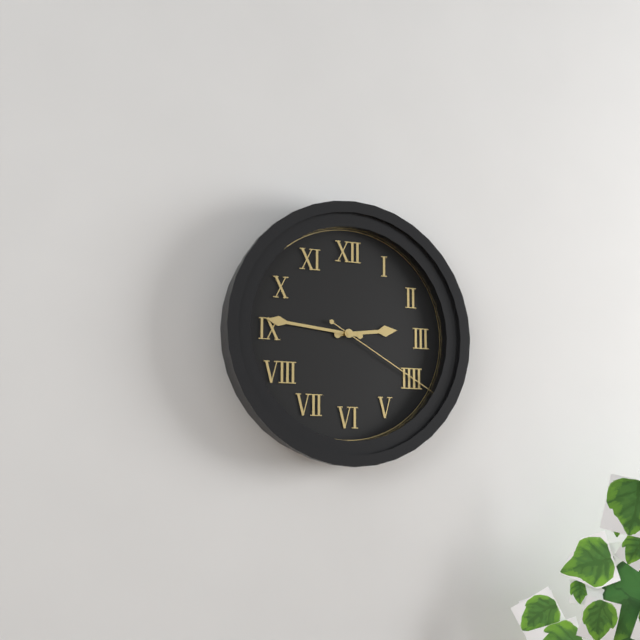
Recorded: 2,46,20
